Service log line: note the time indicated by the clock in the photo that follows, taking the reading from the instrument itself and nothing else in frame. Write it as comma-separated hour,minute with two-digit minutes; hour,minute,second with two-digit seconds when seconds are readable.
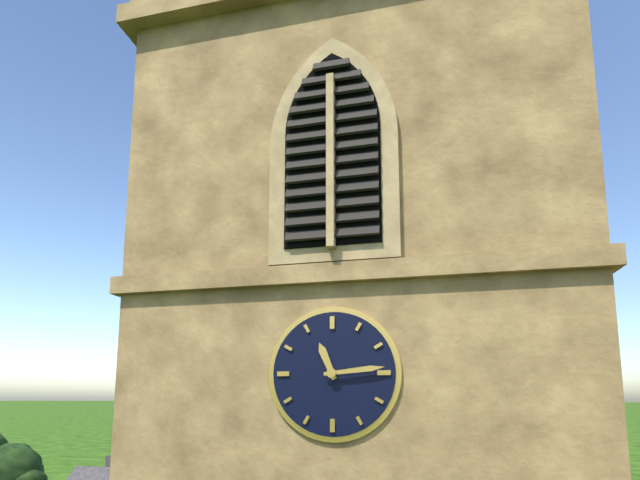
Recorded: 11,14
